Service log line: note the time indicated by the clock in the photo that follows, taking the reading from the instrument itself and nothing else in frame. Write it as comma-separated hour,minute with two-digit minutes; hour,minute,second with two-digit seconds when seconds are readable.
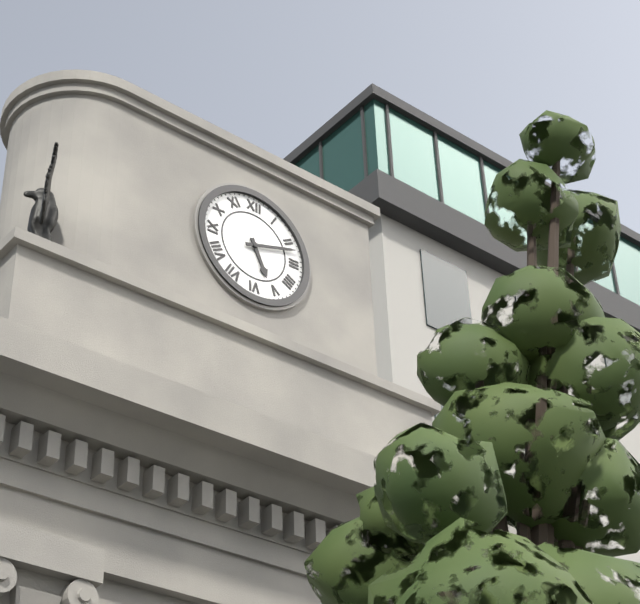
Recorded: 5,12
